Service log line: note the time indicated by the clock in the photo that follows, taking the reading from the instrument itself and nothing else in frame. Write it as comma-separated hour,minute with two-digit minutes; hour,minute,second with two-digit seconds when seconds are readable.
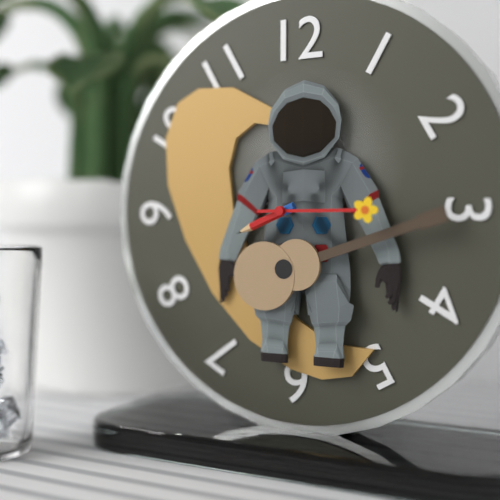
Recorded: 8,15
